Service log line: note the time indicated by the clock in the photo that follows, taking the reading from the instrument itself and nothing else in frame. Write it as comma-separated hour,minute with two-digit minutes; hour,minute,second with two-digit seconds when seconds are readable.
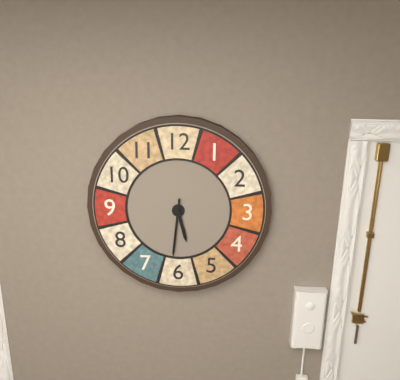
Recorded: 5,31
